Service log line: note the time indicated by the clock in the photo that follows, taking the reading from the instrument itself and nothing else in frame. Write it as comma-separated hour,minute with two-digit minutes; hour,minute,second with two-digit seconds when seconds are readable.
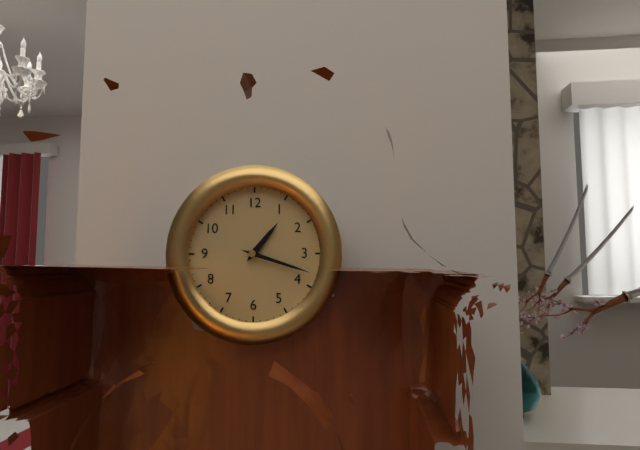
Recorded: 1,18
